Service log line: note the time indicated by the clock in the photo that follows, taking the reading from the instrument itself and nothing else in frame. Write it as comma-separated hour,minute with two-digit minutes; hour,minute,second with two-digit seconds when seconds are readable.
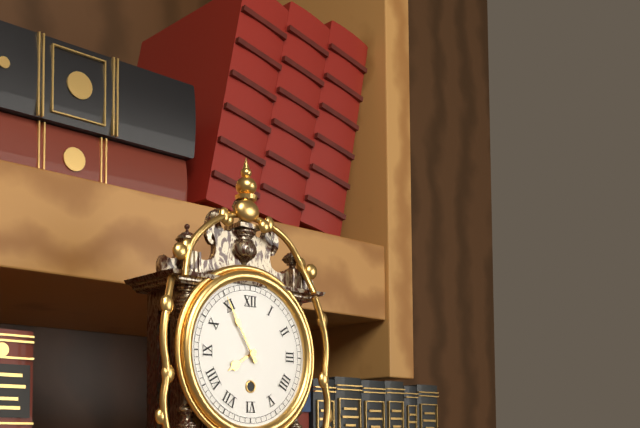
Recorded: 7,55
